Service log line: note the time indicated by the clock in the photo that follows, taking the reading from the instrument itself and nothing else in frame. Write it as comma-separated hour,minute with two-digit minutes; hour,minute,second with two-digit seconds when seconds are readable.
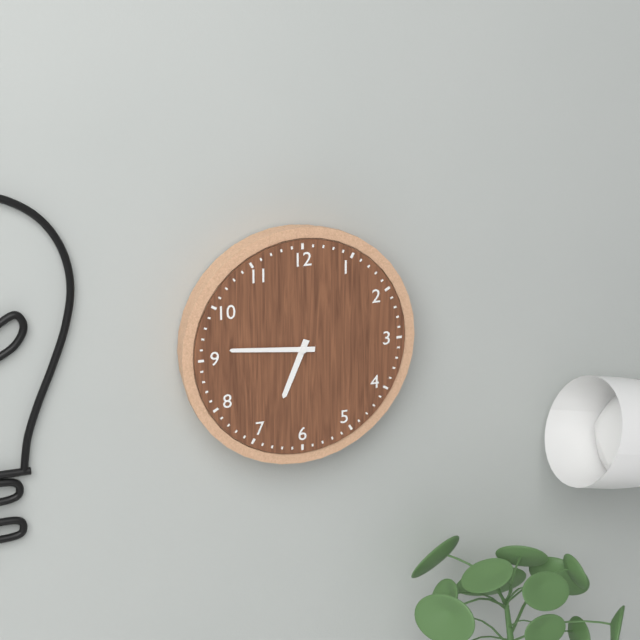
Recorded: 6,46
